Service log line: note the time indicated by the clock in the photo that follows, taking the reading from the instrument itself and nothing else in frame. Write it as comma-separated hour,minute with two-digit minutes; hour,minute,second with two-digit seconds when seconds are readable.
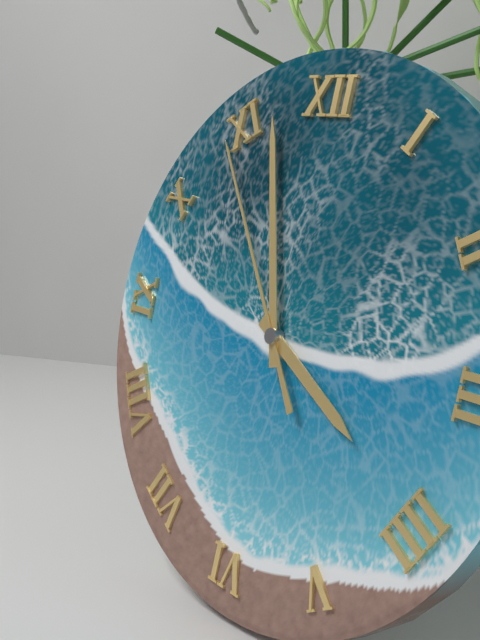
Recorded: 3,57,54
